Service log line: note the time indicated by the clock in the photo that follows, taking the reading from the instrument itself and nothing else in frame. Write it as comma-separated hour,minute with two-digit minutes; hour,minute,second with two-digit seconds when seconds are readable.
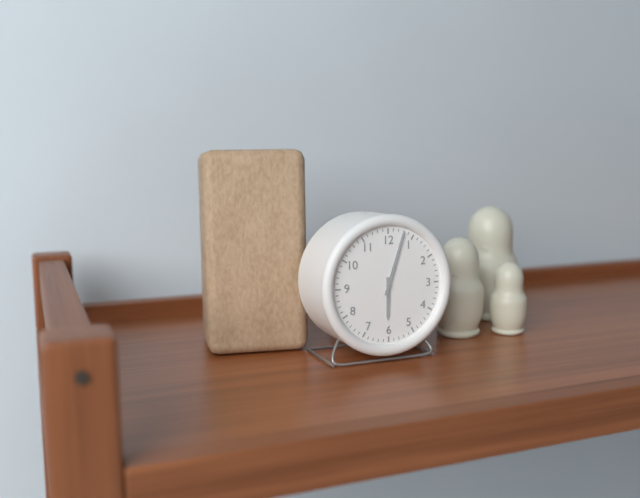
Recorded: 6,03
